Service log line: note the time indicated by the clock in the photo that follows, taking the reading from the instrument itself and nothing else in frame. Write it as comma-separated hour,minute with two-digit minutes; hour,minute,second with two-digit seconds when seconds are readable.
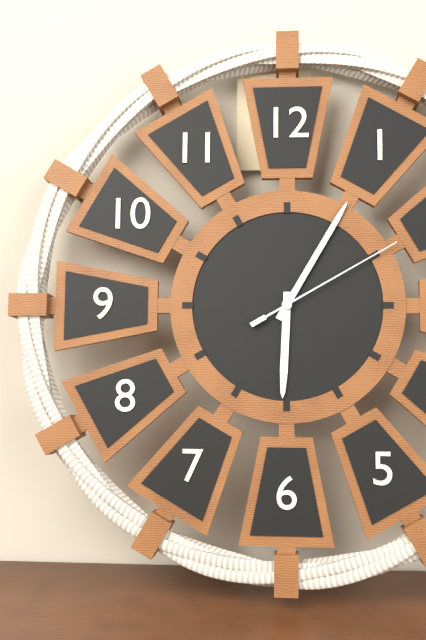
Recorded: 6,05,10
